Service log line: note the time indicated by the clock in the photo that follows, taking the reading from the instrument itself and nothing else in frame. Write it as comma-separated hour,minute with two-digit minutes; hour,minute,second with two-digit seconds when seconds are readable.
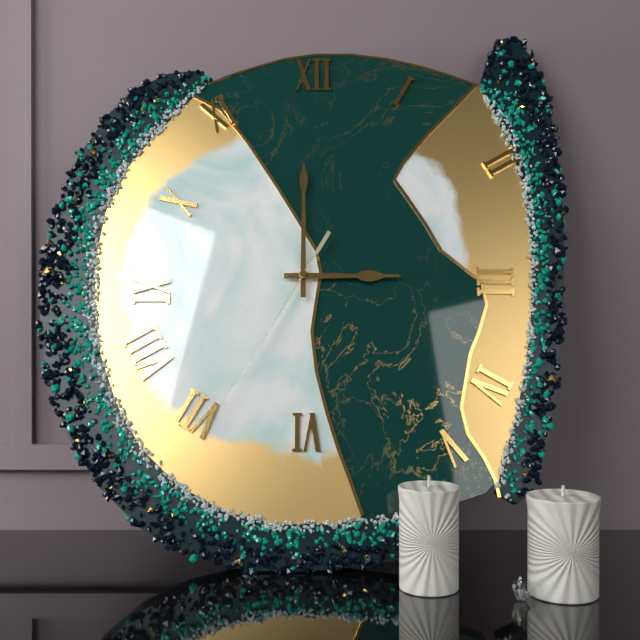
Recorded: 3,00,35
